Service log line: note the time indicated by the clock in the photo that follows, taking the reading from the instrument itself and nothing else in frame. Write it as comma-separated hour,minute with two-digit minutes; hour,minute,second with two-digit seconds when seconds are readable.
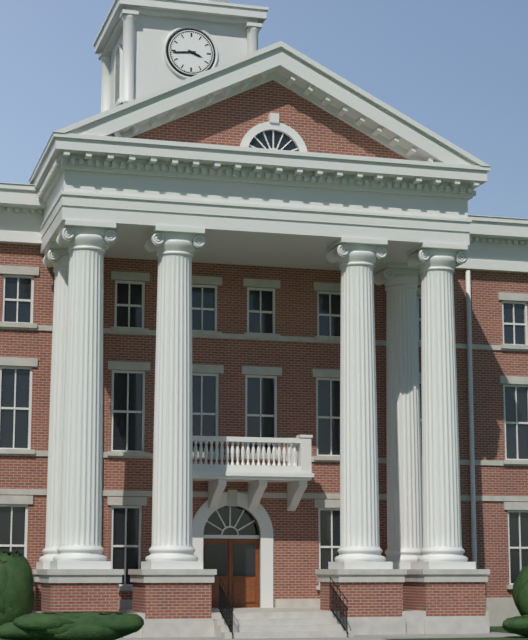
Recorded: 3,44
